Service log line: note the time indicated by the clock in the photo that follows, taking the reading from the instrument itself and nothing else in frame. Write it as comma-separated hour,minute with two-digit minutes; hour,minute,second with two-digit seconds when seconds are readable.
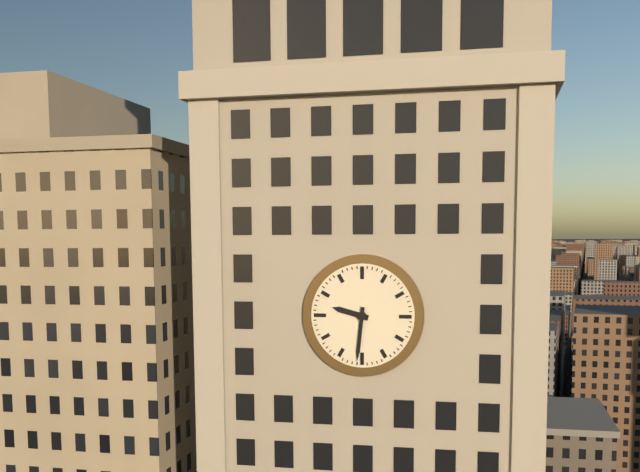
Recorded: 9,31
